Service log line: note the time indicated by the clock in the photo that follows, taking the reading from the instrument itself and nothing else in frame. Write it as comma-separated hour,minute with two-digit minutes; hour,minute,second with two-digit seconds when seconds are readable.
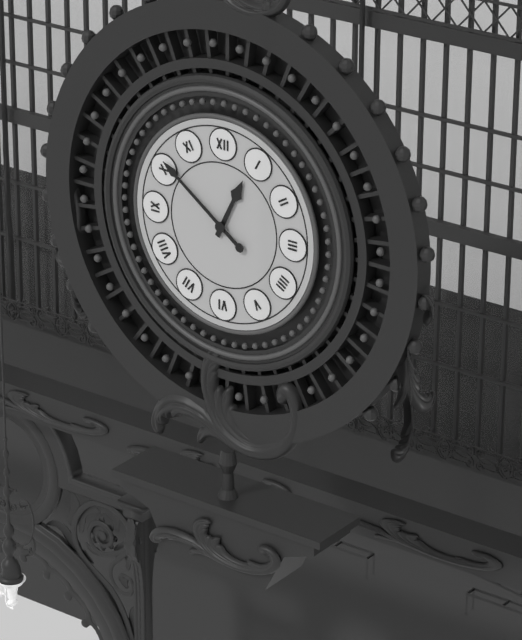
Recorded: 12,51
